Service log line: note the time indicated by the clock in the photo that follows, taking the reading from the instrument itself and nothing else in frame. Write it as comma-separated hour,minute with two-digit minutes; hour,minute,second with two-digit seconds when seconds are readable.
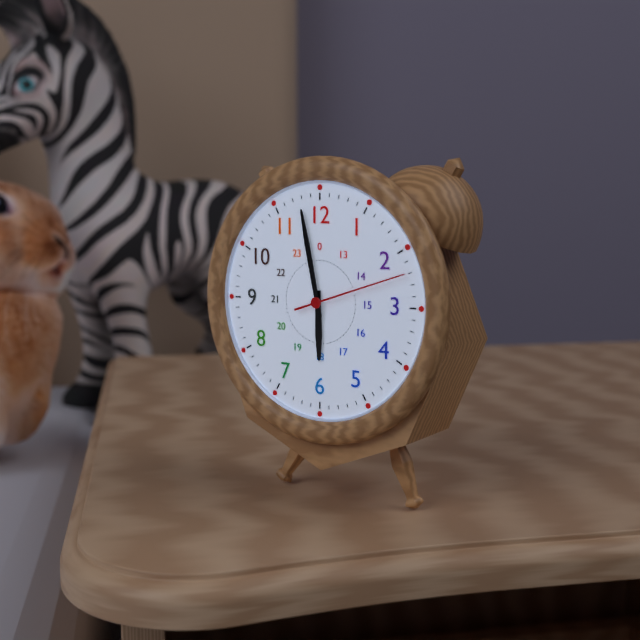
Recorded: 5,58,12
